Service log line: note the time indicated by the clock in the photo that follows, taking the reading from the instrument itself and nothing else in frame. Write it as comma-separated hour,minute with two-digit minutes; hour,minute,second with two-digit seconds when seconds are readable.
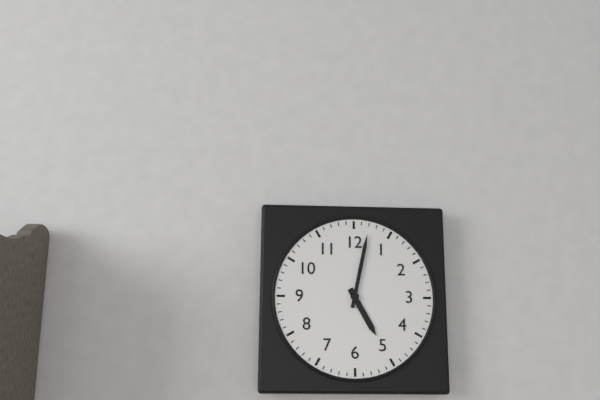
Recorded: 5,02
